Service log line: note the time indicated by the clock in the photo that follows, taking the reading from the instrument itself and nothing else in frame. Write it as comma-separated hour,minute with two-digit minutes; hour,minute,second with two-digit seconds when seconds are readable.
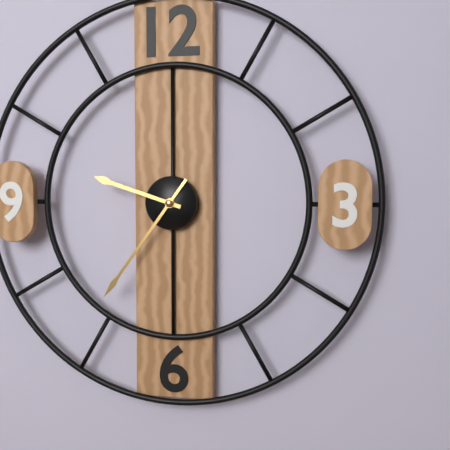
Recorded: 9,36
